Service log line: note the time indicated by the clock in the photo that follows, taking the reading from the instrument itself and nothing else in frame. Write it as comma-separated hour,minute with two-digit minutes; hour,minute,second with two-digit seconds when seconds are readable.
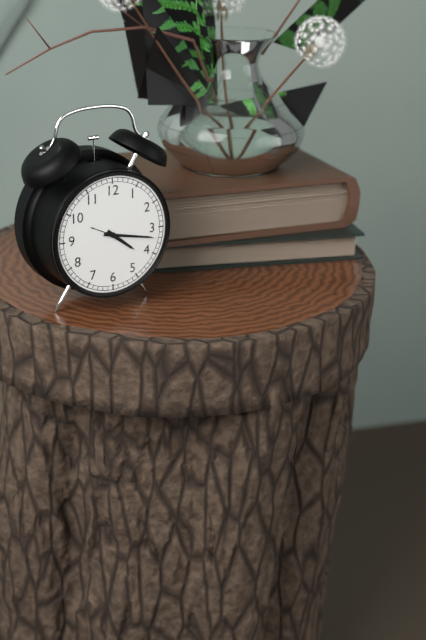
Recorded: 4,17
